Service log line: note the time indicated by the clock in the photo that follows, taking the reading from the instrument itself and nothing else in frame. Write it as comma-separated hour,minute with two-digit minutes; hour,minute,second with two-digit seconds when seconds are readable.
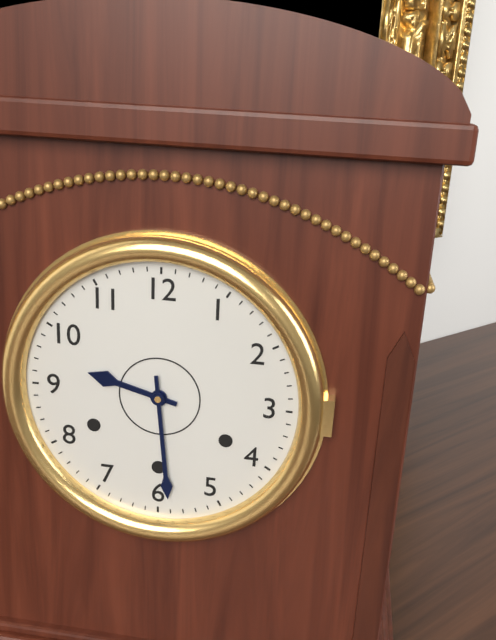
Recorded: 9,29
